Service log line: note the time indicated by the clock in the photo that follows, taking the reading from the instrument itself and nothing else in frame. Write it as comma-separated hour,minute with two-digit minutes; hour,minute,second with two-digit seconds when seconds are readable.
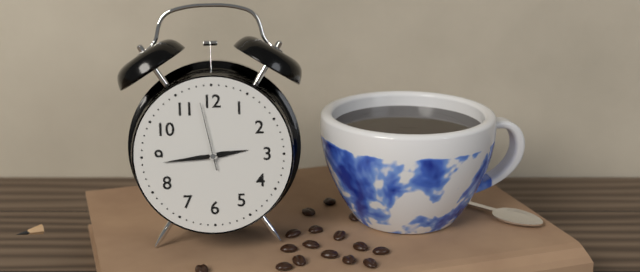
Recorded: 2,44,58
